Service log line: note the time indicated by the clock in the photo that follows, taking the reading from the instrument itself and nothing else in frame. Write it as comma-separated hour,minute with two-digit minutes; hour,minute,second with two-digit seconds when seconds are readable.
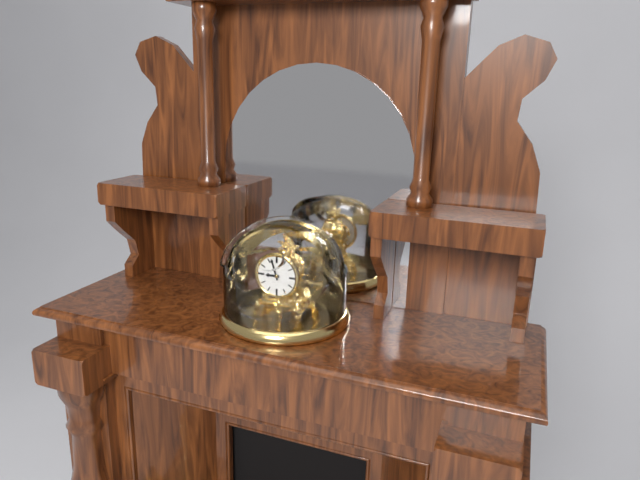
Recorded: 8,57
